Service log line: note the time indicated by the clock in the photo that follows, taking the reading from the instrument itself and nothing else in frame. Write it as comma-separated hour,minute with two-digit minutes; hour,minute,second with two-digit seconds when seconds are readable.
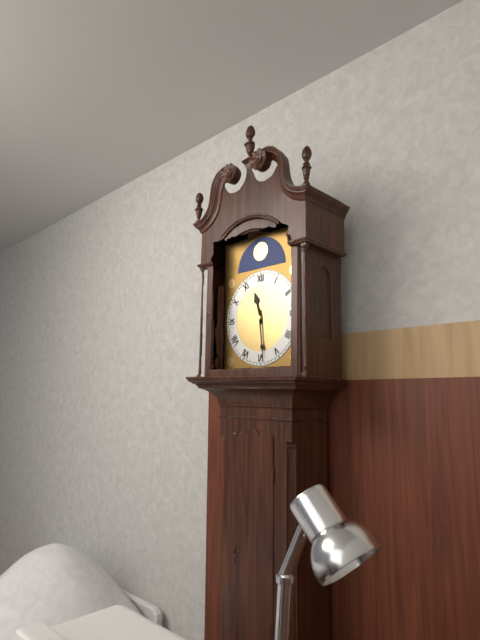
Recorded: 11,29
